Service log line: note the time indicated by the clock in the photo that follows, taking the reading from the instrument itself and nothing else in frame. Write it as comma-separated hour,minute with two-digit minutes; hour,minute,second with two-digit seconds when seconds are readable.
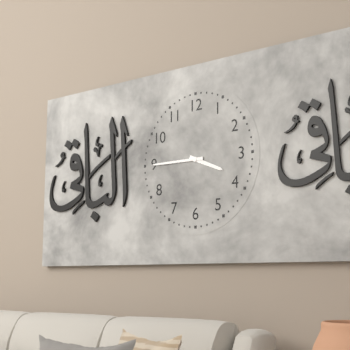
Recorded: 3,45
